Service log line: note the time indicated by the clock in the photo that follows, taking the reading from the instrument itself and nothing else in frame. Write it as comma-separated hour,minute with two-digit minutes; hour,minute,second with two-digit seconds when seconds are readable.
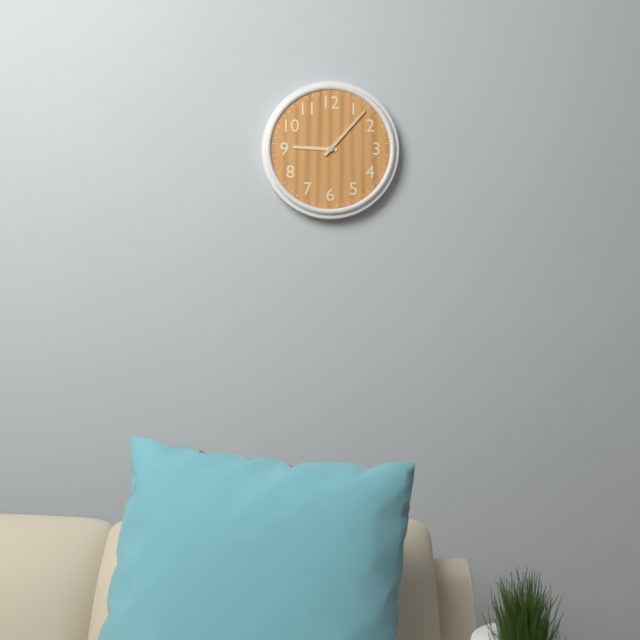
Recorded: 9,07
